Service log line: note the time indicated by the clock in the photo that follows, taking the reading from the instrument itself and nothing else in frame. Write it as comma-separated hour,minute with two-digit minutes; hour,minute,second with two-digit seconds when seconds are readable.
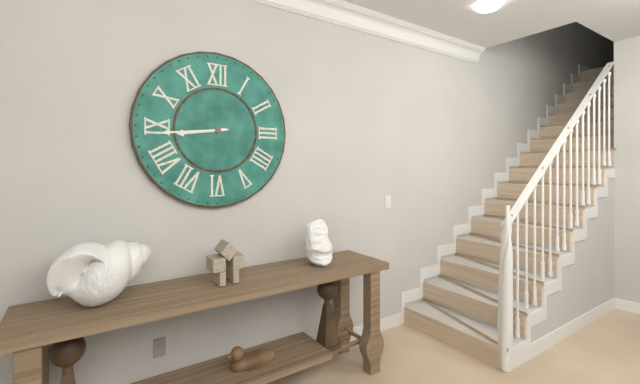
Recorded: 8,44
